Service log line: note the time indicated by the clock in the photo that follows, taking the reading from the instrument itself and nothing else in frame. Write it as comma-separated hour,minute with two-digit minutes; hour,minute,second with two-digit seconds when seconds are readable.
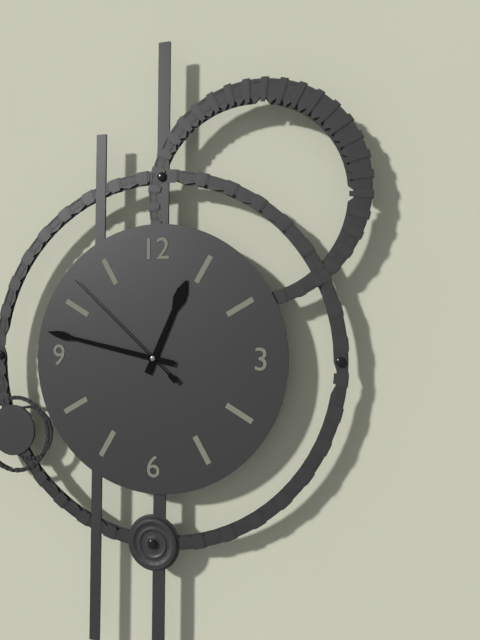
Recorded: 12,47,52
